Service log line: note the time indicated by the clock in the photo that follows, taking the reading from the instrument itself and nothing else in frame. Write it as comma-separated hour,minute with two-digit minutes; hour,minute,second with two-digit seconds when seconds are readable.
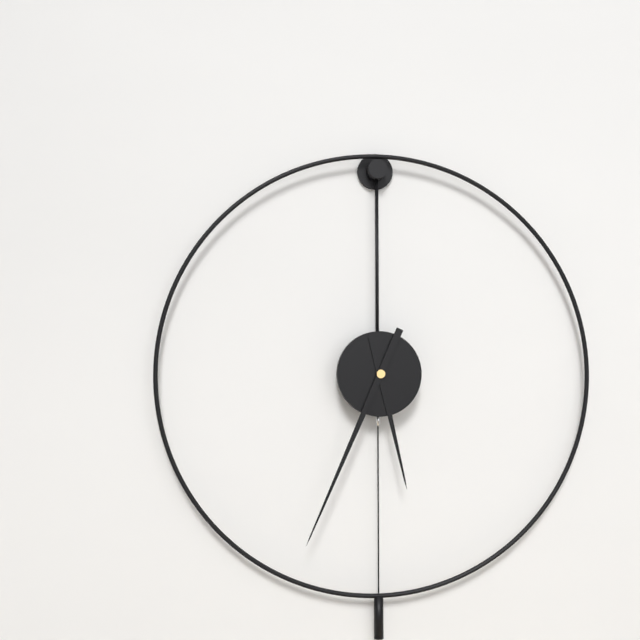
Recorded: 5,34
